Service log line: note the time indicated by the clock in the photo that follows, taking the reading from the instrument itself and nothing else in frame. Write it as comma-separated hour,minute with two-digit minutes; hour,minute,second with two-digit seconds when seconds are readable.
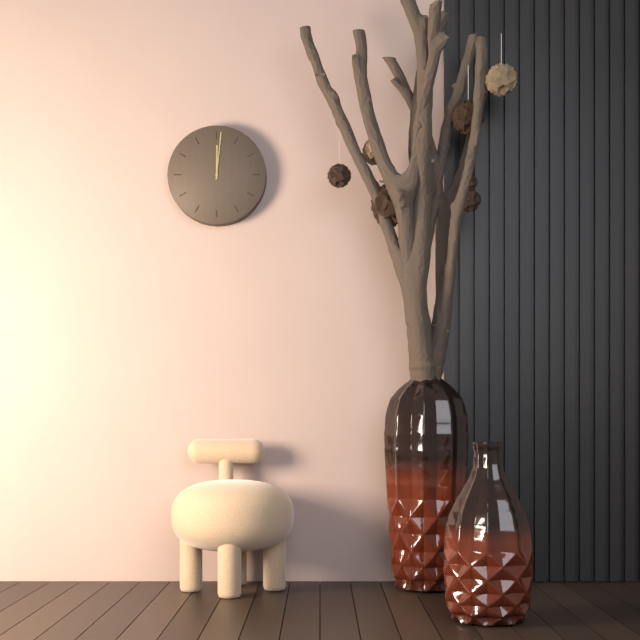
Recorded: 12,01
